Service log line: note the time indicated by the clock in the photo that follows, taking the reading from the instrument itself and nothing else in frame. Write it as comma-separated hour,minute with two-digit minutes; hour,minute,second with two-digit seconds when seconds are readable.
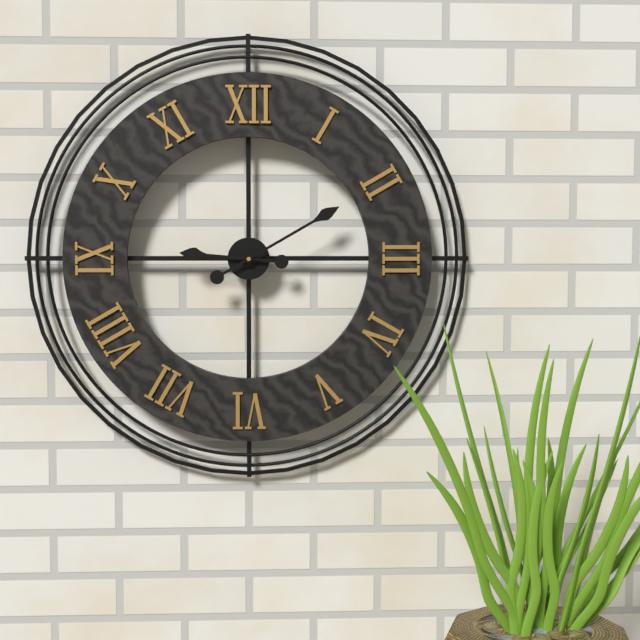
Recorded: 9,10
